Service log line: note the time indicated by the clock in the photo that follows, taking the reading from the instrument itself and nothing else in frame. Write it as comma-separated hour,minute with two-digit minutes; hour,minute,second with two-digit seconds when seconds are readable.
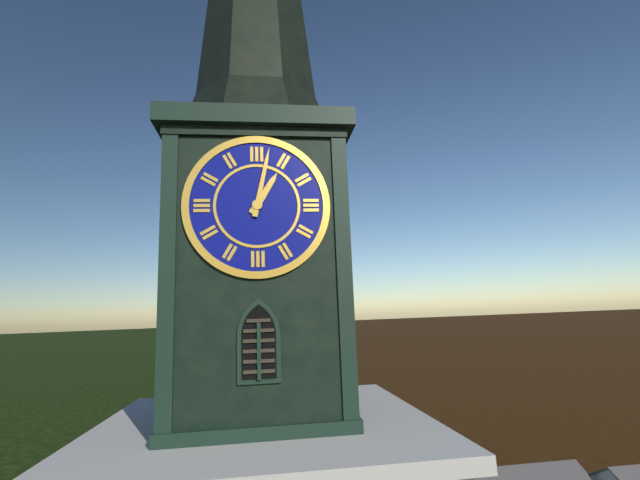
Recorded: 1,02
